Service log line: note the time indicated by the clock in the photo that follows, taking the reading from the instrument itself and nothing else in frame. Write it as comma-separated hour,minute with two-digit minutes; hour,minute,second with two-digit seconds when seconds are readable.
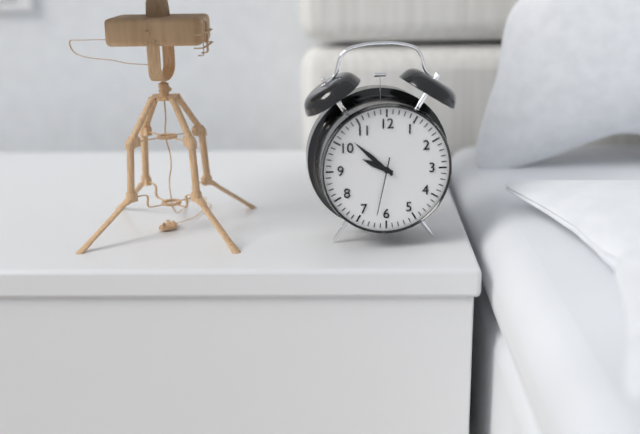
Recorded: 9,52,32
